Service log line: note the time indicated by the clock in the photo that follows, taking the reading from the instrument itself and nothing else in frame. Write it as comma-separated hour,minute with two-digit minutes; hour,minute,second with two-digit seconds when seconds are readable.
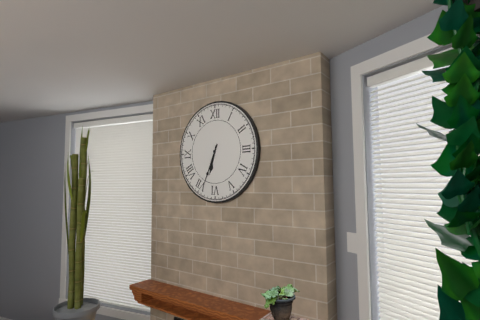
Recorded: 6,34
